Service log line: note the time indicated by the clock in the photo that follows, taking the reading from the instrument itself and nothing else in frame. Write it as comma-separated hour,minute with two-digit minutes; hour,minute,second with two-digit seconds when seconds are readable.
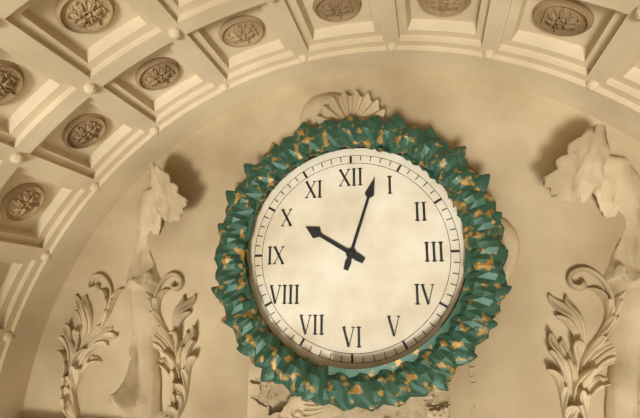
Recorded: 10,03
